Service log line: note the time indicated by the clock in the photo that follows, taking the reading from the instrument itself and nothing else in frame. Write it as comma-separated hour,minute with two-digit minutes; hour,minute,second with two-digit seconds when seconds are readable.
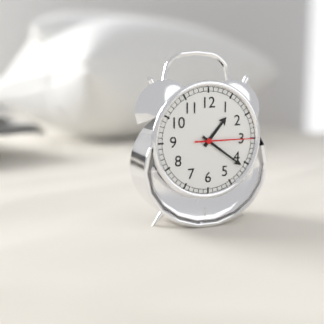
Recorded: 1,21,15
